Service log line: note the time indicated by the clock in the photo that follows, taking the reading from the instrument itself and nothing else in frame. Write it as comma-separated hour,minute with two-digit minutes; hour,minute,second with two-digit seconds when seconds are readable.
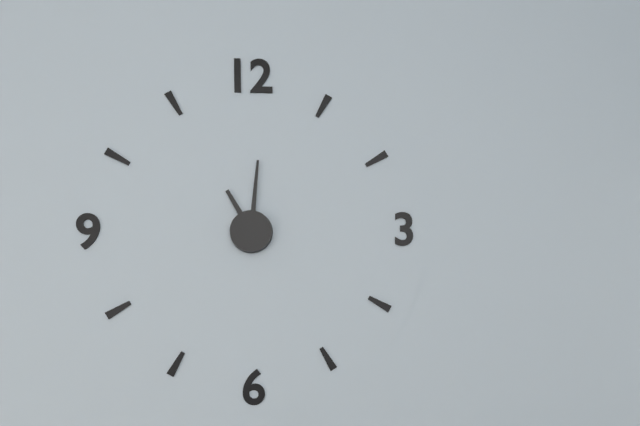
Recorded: 11,01
